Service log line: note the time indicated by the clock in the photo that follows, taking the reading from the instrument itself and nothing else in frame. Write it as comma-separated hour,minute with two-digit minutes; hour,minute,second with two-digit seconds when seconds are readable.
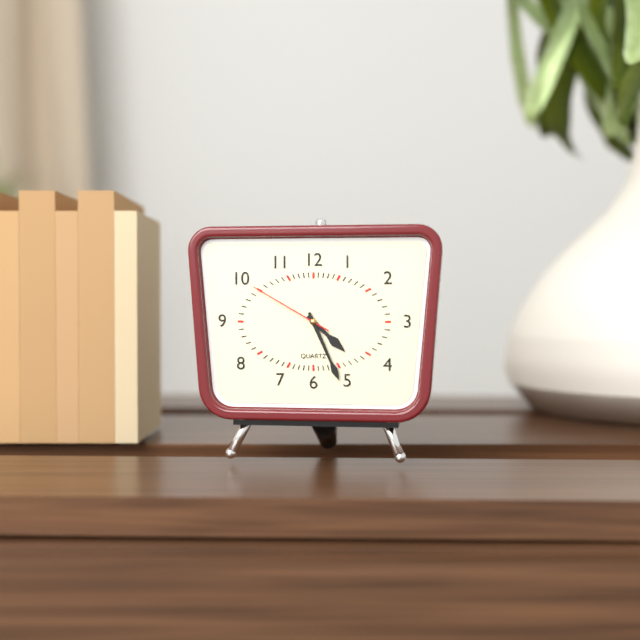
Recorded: 4,26,50
